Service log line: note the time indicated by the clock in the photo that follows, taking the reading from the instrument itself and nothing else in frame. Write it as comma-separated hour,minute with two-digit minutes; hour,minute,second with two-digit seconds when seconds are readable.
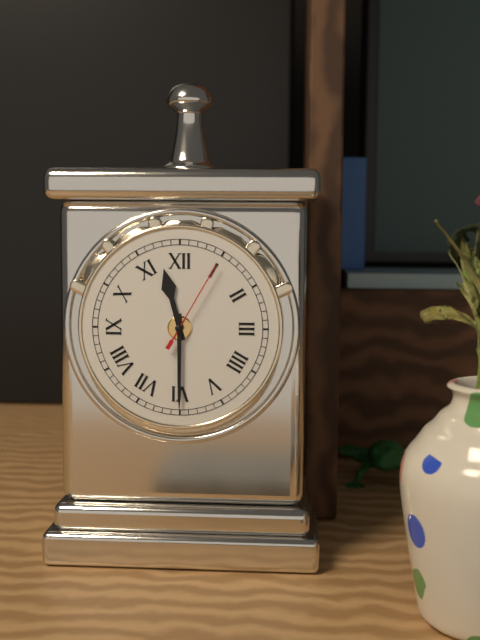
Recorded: 11,30,05
